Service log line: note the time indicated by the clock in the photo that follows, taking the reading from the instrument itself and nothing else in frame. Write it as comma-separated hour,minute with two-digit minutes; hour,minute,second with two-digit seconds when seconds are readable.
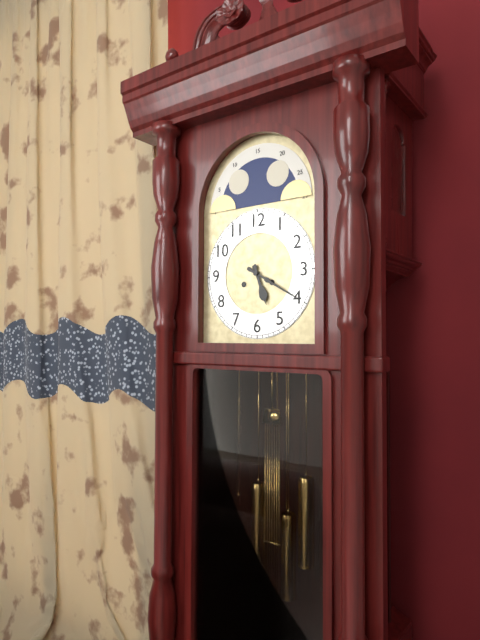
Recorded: 5,20
